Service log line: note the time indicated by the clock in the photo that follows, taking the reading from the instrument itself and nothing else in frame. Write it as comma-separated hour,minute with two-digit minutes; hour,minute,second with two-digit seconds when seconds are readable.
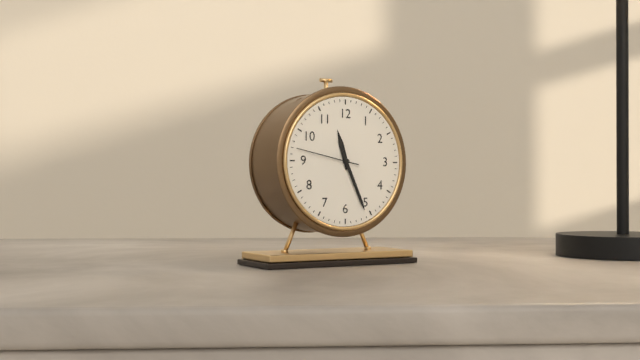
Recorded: 11,26,47
